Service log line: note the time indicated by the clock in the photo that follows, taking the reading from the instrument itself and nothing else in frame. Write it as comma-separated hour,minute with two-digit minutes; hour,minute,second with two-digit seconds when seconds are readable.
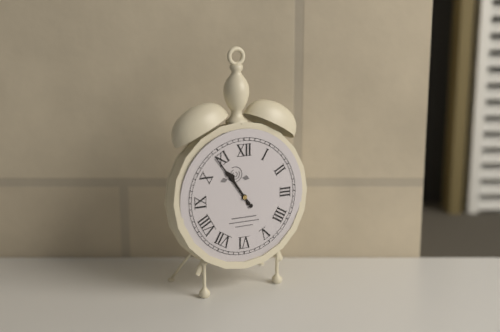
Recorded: 10,54
